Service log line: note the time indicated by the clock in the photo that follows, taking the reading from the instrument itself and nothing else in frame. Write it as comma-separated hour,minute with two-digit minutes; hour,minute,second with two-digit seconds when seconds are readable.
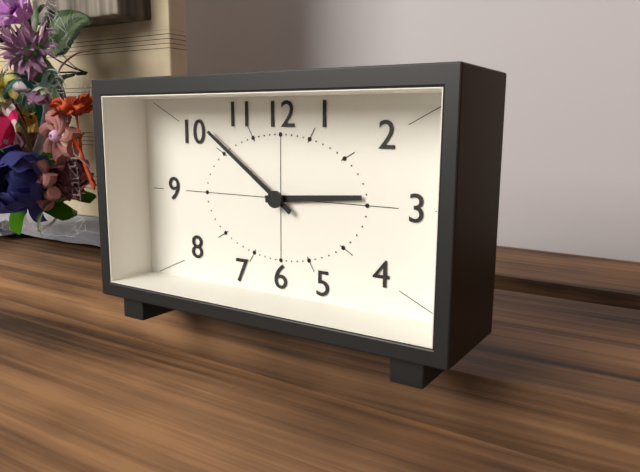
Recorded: 2,51
